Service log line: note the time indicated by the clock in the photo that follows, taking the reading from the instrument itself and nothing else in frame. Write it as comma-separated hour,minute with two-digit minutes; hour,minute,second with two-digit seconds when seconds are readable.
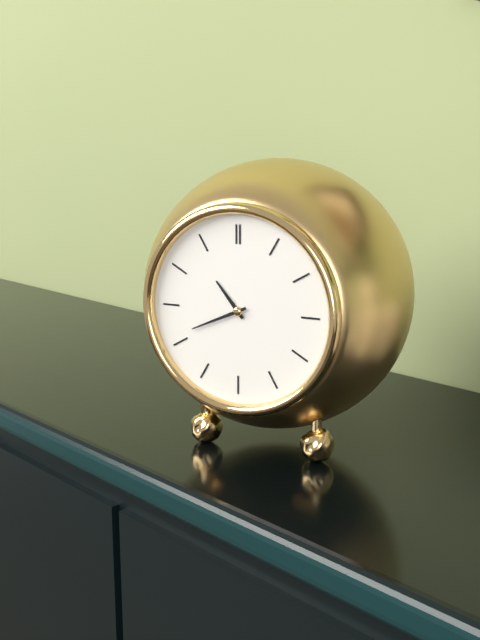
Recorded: 10,41
